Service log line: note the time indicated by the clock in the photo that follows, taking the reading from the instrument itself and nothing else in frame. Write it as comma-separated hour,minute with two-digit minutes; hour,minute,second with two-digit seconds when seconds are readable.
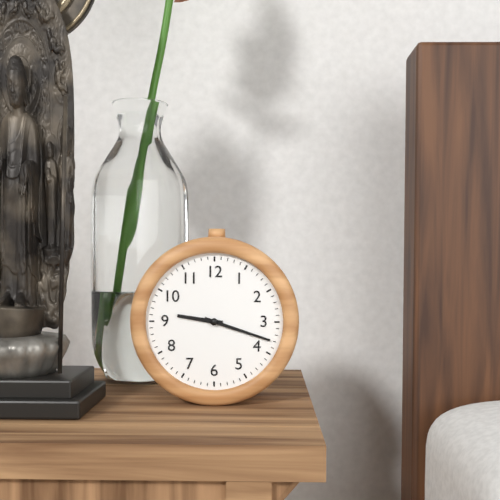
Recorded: 9,18
